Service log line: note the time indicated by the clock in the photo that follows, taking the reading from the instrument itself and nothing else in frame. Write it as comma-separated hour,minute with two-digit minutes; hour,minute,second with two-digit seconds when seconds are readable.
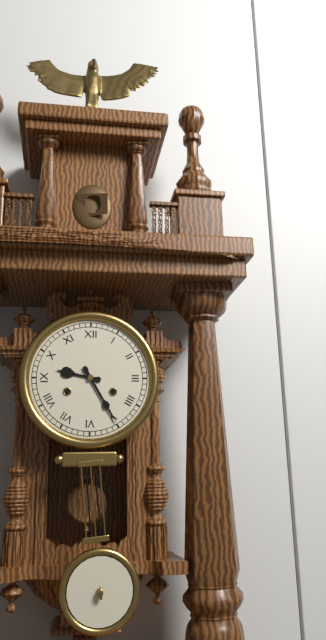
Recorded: 9,25
